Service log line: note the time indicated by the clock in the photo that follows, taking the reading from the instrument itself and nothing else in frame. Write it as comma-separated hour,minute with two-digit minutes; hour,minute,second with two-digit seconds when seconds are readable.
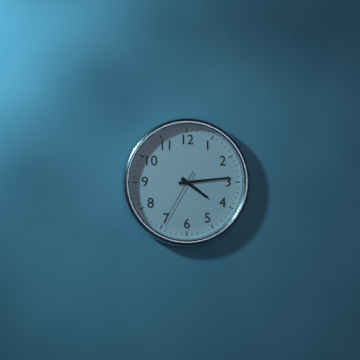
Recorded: 4,14,35
